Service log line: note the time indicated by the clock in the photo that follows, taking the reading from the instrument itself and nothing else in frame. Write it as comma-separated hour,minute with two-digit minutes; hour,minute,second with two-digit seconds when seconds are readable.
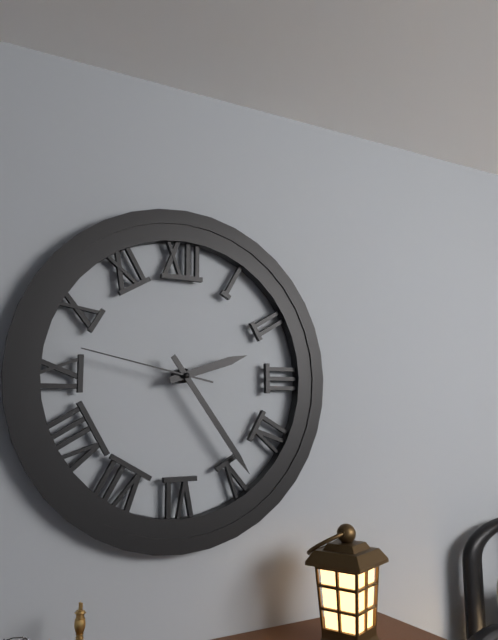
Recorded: 2,24,47
